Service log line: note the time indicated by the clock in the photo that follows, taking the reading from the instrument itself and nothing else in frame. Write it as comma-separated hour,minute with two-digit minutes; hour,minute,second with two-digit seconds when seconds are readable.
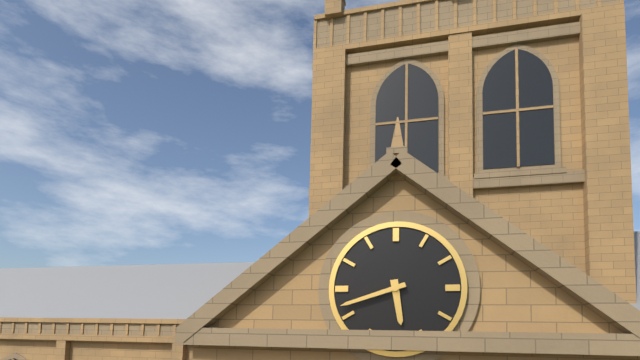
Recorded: 5,42
